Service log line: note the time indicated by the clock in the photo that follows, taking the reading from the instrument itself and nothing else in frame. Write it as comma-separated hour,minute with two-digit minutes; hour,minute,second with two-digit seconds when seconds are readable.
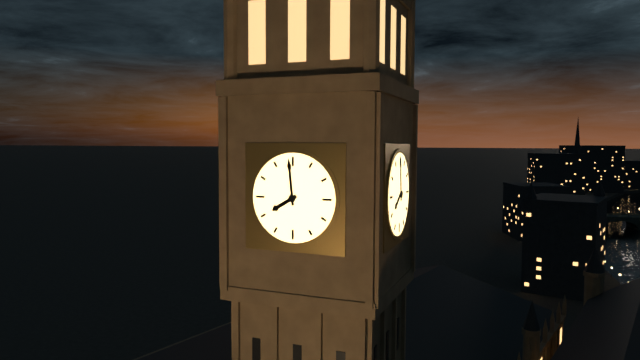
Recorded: 7,59
